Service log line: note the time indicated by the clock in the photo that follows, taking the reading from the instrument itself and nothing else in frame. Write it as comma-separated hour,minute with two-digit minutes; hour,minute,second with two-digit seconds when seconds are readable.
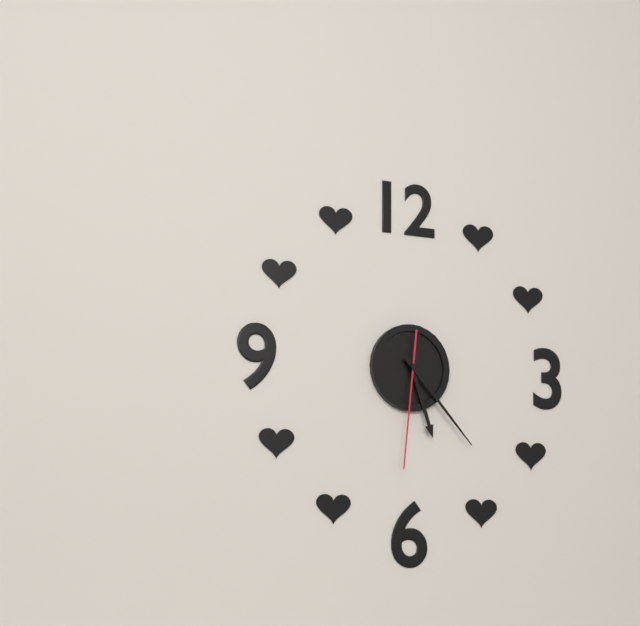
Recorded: 5,23,31
